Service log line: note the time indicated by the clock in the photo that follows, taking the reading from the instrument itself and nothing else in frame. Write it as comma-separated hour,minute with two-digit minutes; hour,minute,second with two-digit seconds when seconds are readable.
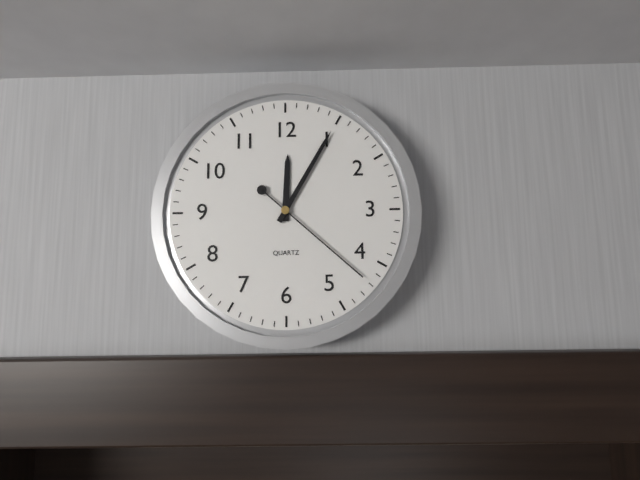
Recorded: 12,05,22
